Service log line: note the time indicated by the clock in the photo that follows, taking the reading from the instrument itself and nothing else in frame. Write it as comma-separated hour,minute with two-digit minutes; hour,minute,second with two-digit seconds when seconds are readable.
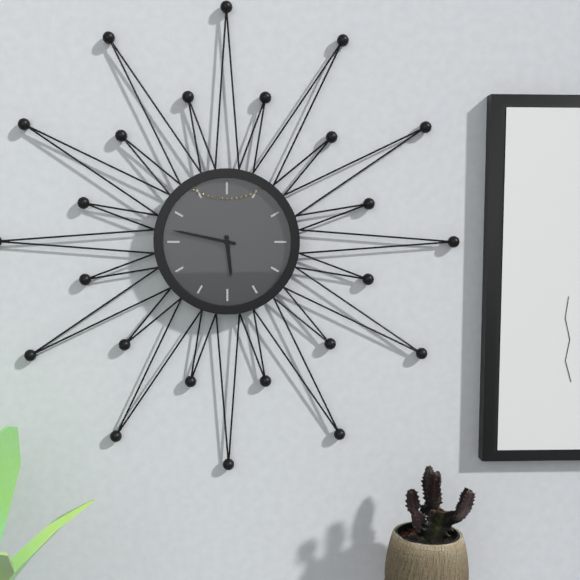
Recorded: 5,47
